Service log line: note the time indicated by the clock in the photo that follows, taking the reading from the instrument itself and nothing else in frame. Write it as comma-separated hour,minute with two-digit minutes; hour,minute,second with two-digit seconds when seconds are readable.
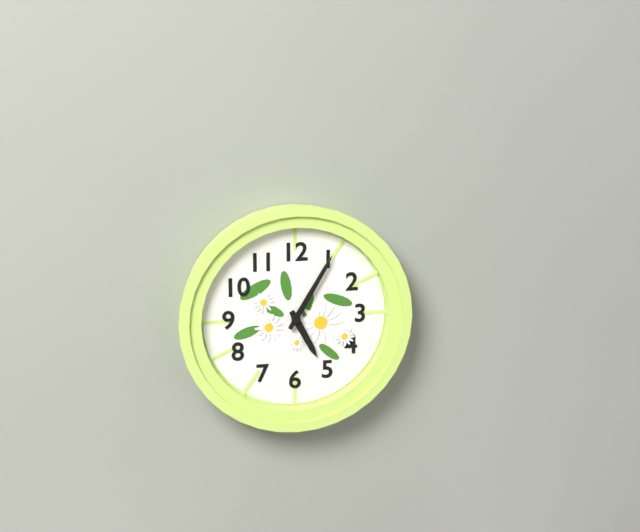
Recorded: 5,05
